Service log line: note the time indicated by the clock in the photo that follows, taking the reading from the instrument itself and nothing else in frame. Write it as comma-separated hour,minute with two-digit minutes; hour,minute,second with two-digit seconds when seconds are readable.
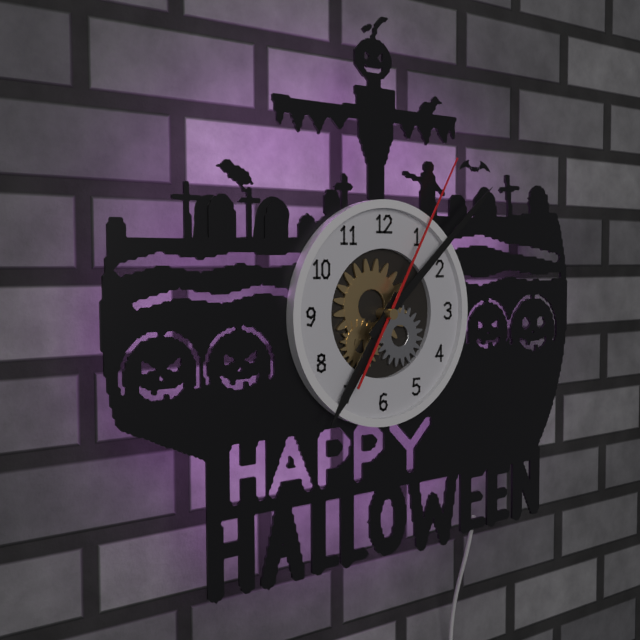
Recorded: 7,08,05
